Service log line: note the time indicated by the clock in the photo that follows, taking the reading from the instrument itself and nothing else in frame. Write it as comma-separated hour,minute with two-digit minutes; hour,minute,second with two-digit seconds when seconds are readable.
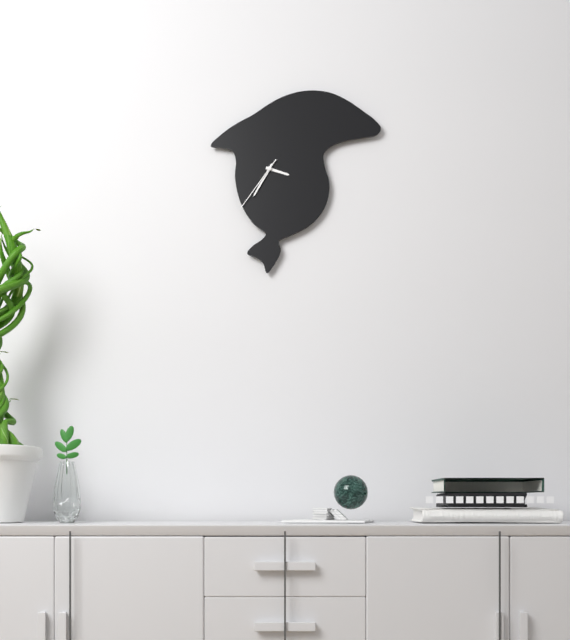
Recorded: 3,35,36
